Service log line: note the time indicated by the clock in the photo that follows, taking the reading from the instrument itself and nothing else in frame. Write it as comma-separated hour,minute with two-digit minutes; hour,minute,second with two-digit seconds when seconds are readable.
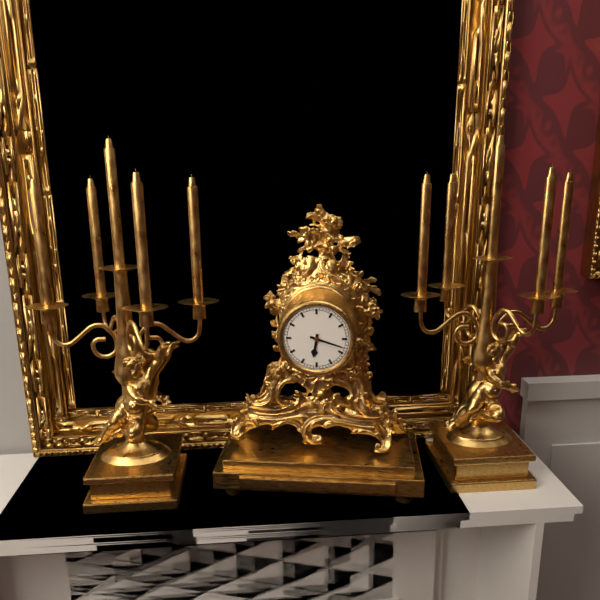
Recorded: 6,18
